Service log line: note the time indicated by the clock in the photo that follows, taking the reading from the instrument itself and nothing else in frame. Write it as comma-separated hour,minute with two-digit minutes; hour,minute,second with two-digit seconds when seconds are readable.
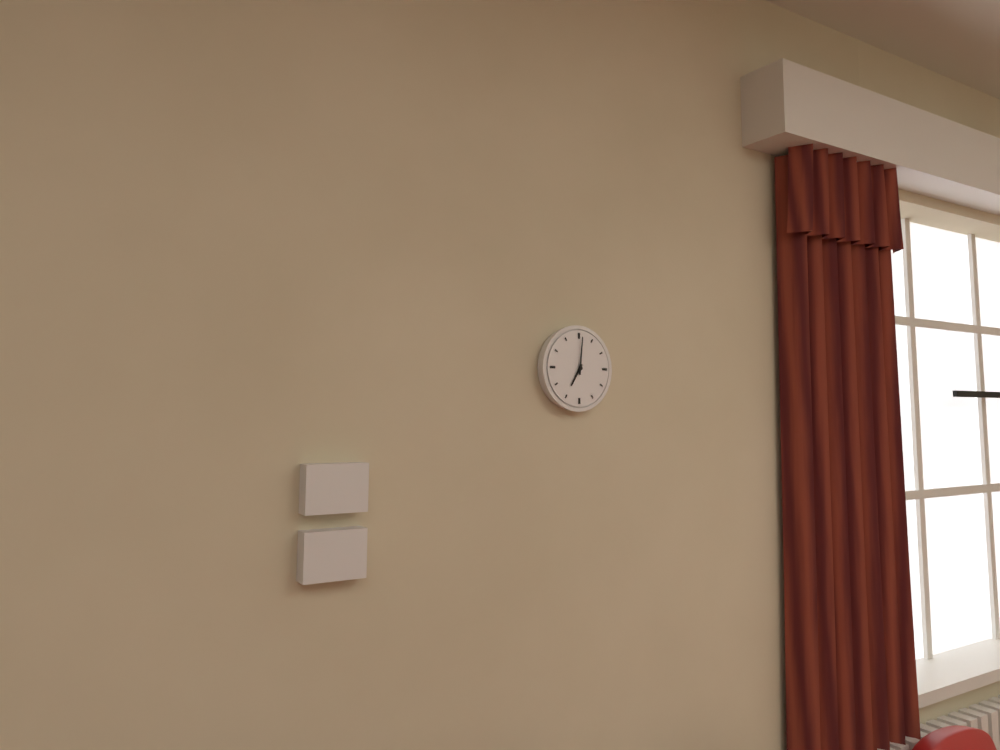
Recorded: 7,01
